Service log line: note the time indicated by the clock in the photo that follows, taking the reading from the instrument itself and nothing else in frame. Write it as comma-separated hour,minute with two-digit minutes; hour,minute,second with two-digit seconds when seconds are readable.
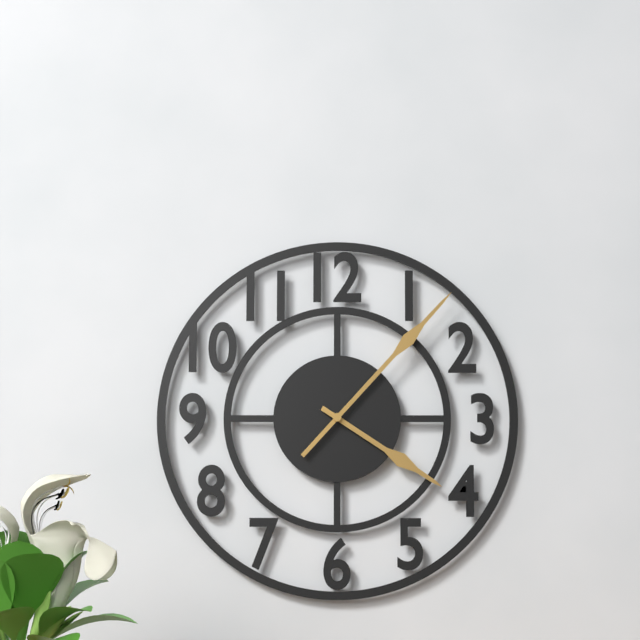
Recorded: 4,07
